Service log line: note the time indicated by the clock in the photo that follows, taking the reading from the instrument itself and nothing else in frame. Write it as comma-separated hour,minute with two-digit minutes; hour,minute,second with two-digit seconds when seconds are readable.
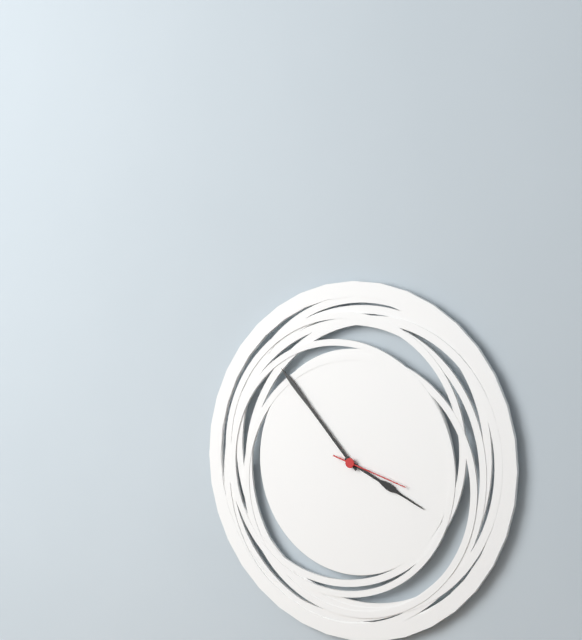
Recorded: 3,53,18
